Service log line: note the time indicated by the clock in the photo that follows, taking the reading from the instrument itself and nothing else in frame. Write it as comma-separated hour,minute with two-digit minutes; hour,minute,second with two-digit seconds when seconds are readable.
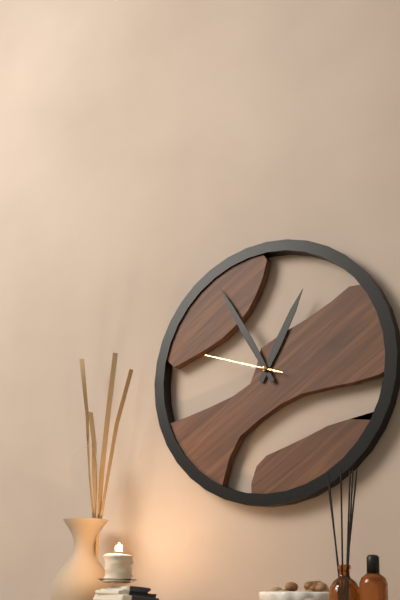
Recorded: 12,55,48
